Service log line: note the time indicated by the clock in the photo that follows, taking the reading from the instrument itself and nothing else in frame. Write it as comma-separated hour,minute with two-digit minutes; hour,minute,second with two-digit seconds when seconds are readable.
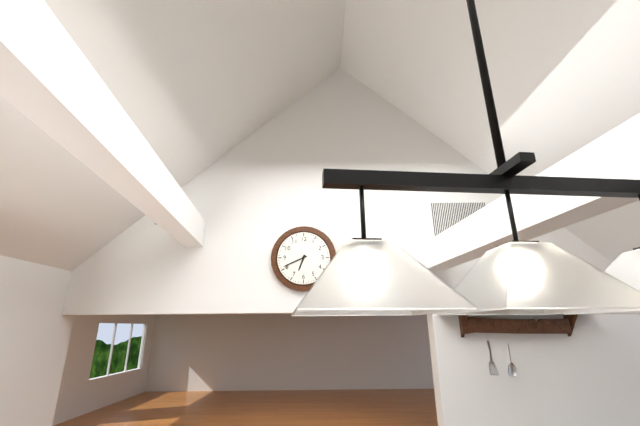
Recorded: 6,41
